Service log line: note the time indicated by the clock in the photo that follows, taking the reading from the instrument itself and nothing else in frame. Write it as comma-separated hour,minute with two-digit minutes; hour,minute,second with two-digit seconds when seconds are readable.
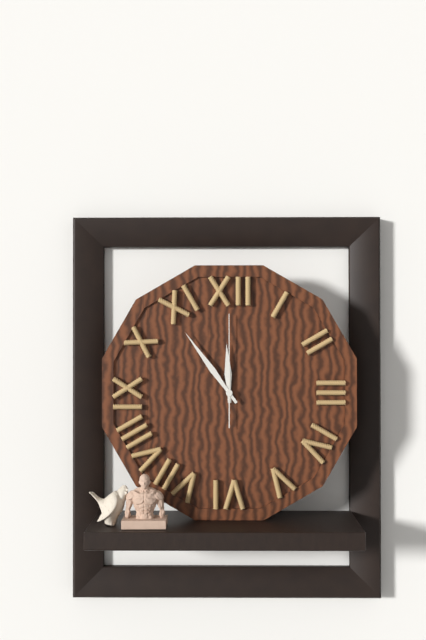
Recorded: 11,54,00
